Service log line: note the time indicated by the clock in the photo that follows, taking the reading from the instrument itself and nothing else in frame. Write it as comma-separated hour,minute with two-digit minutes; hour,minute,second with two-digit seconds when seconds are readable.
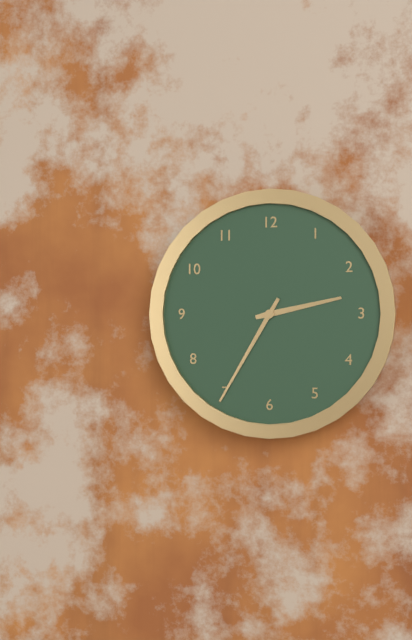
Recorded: 2,35
